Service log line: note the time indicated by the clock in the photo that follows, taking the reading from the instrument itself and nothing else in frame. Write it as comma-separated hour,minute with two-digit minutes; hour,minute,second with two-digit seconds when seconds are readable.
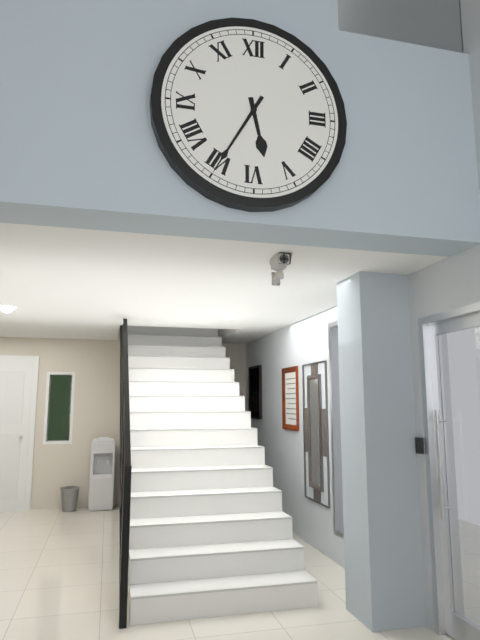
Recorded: 5,35
